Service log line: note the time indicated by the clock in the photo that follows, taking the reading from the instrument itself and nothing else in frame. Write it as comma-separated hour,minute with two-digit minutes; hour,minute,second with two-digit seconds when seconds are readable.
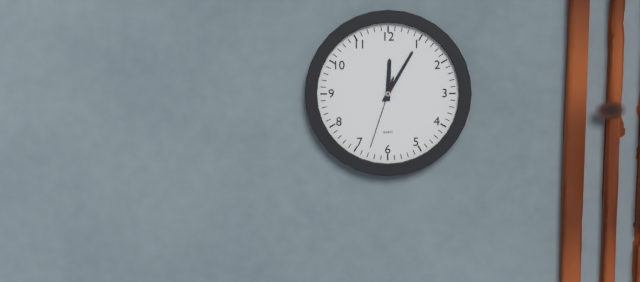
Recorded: 12,05,33
